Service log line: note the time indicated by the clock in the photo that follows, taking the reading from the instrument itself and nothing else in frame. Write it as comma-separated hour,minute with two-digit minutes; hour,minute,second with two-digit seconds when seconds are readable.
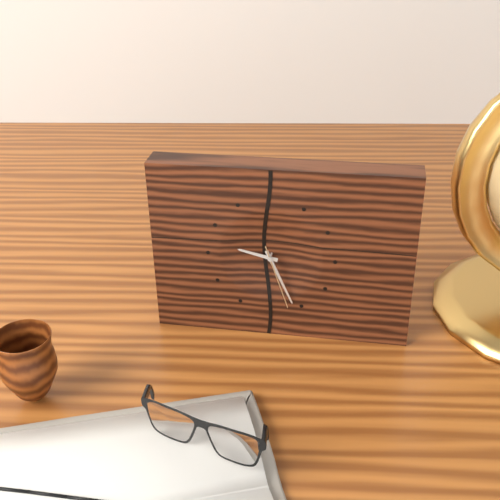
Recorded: 9,26,27
